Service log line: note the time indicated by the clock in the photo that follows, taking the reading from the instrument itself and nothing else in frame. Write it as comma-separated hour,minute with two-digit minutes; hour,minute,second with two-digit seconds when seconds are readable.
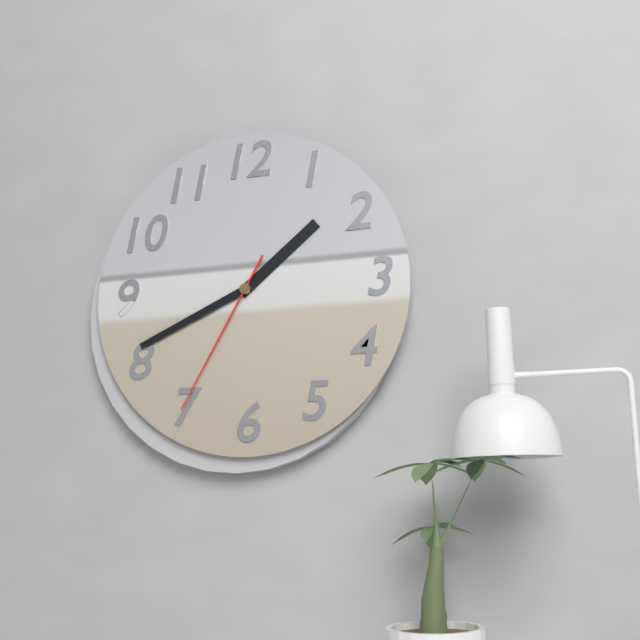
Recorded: 1,41,35
